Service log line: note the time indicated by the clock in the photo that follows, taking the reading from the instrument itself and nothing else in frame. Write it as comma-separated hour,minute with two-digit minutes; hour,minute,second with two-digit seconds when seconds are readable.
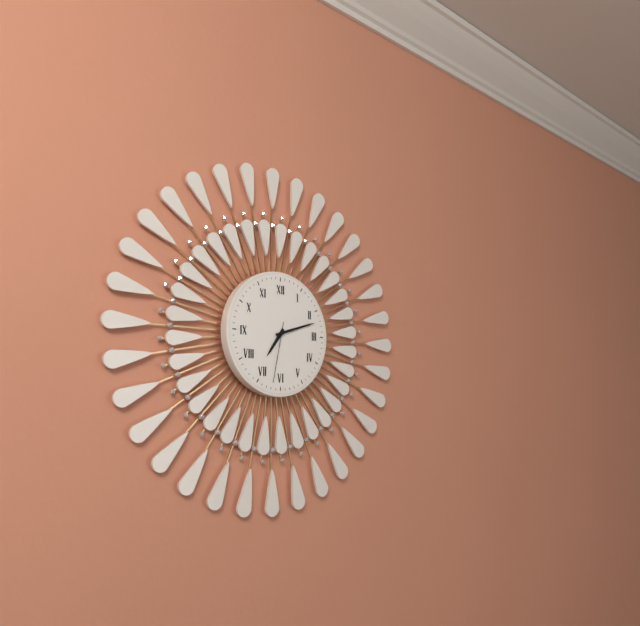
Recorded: 7,12,32
